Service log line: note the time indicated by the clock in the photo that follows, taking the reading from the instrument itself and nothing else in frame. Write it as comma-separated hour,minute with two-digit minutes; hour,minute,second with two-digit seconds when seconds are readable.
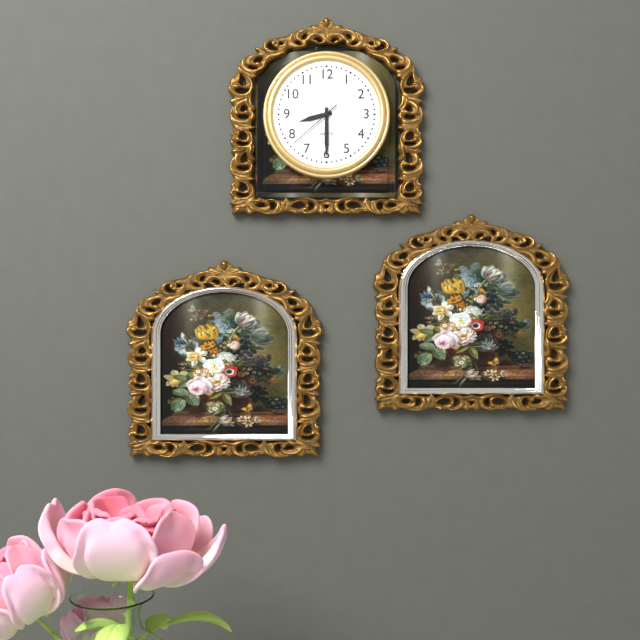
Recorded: 8,30,38
